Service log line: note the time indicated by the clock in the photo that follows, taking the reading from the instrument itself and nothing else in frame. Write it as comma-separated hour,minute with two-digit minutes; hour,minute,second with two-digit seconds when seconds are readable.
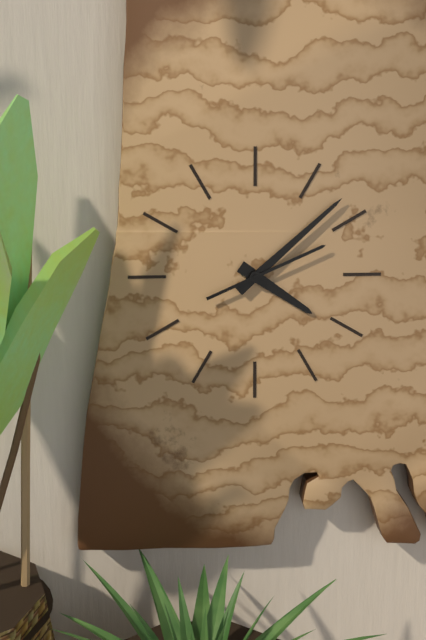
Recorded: 4,08,11
